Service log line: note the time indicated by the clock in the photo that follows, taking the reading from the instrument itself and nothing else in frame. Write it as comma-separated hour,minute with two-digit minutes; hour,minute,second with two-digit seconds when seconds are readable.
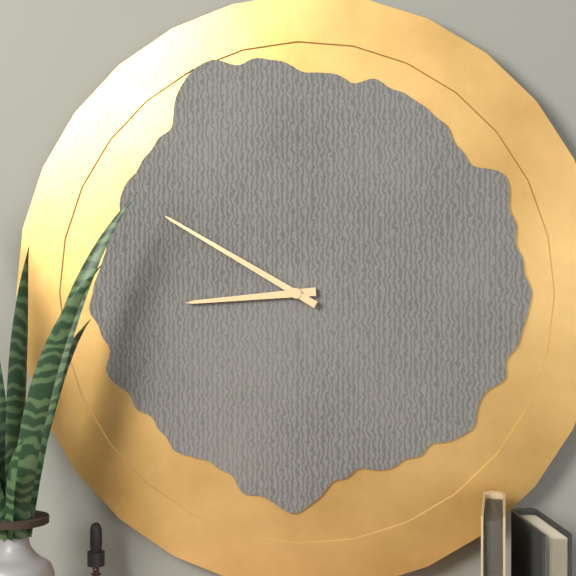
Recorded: 8,50
